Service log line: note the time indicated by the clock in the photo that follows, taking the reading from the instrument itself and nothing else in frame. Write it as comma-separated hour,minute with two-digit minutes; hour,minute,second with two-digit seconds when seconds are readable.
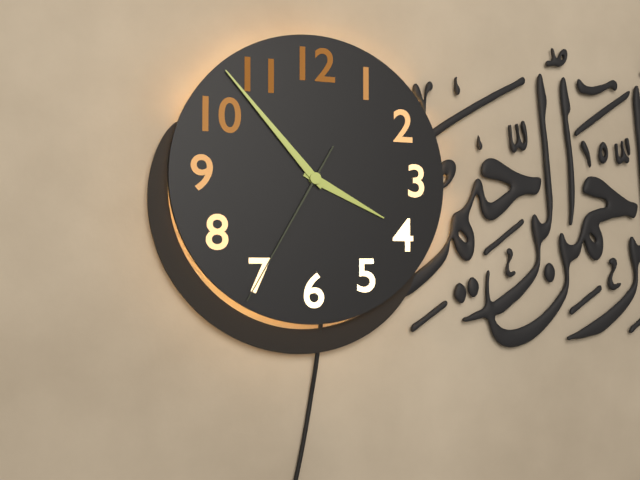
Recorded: 3,53,35
